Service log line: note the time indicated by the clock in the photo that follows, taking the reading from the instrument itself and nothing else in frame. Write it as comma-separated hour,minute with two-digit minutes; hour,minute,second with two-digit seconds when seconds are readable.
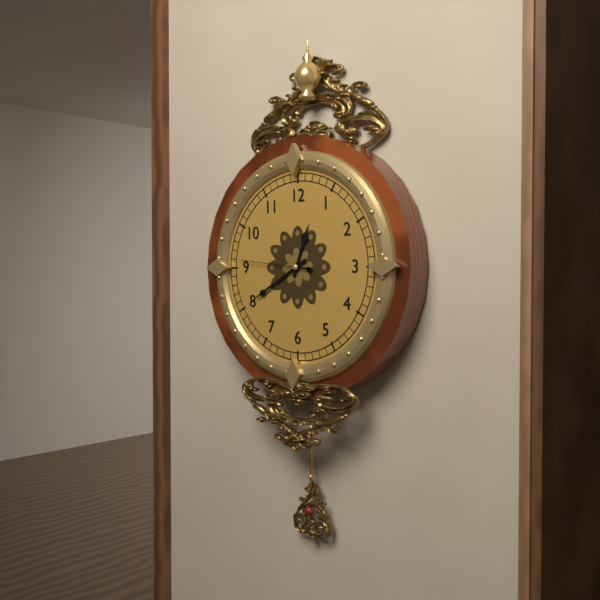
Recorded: 12,40,46
